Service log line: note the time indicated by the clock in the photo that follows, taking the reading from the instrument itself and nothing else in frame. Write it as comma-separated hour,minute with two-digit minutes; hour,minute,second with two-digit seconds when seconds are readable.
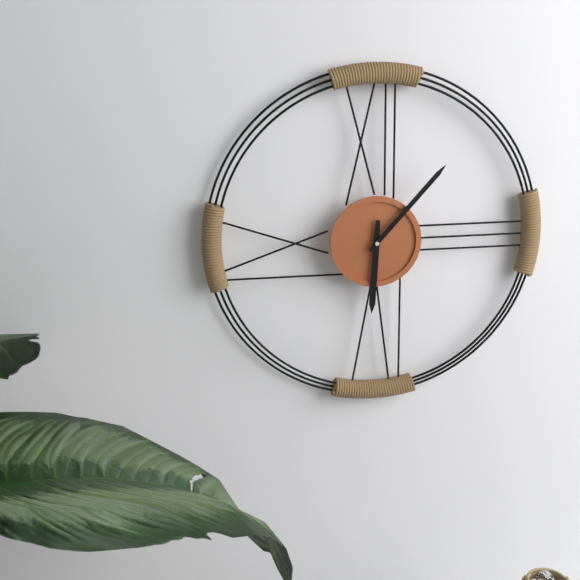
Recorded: 6,07
